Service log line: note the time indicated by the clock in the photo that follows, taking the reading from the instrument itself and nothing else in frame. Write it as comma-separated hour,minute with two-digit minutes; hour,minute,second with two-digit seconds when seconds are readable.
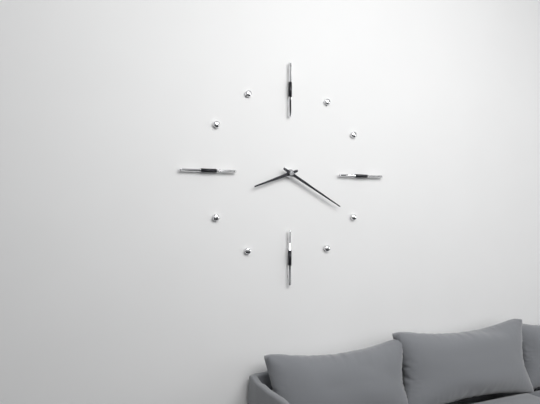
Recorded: 8,20
